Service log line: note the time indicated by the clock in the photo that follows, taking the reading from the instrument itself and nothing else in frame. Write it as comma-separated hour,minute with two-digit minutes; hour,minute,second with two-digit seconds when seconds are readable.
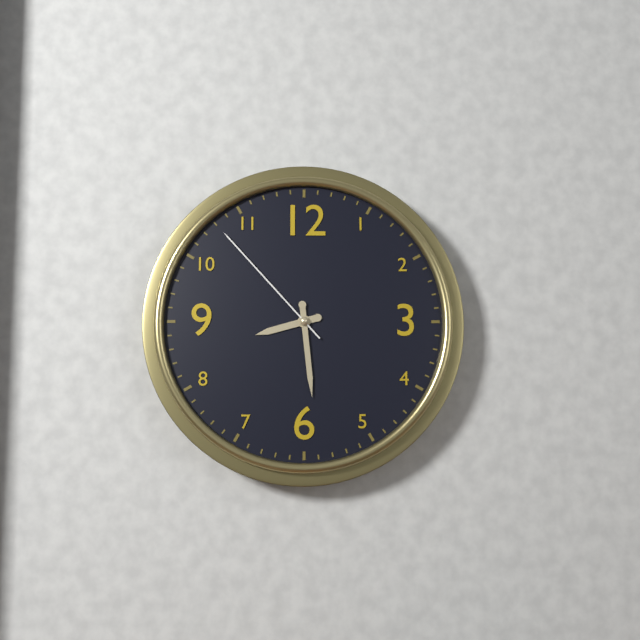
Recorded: 8,29,53
